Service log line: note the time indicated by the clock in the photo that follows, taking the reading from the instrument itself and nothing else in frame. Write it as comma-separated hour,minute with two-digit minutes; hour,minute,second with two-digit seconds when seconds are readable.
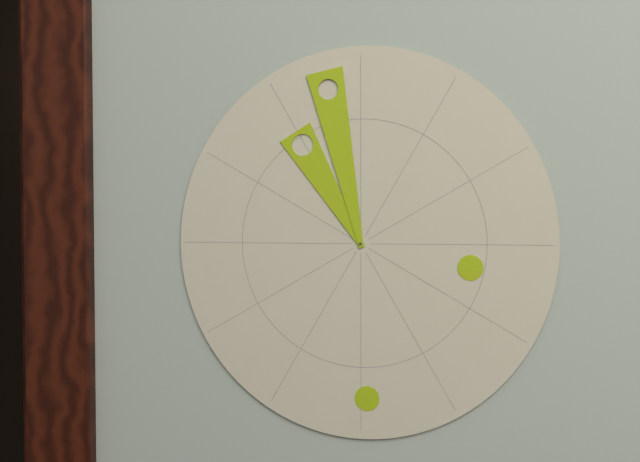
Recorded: 10,58
